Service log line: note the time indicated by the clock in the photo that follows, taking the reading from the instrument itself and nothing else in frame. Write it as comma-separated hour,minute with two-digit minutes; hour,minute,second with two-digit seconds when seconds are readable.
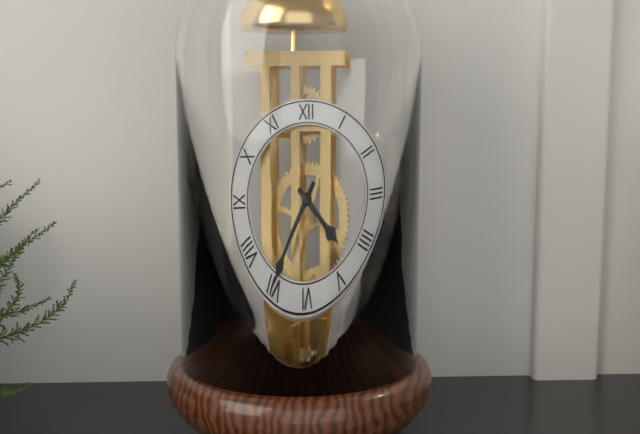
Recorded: 4,35
